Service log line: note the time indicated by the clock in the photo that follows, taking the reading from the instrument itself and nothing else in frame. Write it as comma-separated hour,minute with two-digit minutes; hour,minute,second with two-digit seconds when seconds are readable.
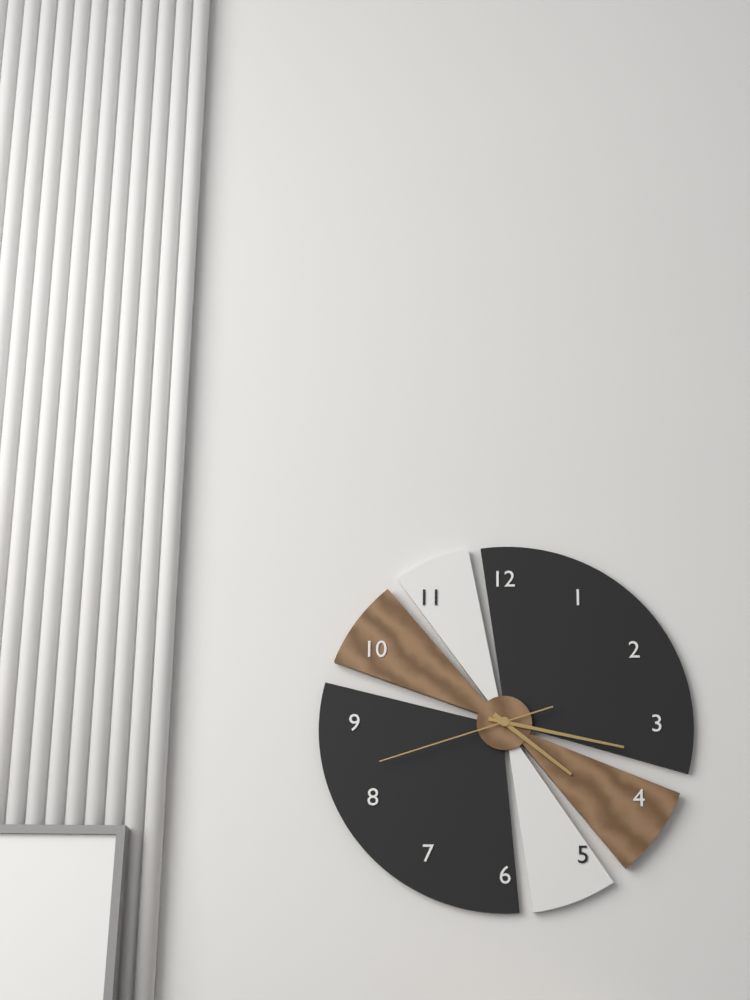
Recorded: 4,17,42
